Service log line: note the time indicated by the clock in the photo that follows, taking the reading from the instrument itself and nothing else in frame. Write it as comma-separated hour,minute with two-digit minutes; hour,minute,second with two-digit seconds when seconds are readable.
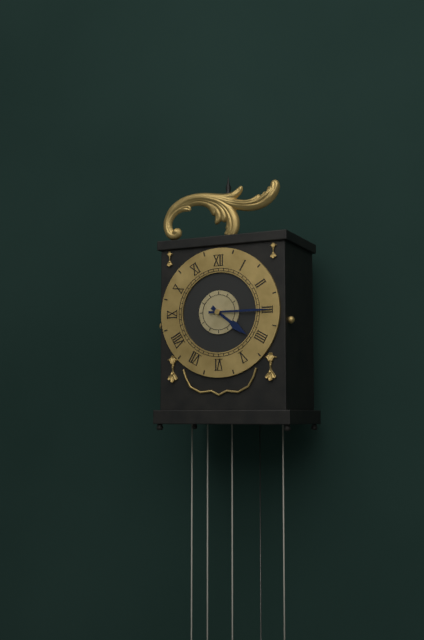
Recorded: 4,15
